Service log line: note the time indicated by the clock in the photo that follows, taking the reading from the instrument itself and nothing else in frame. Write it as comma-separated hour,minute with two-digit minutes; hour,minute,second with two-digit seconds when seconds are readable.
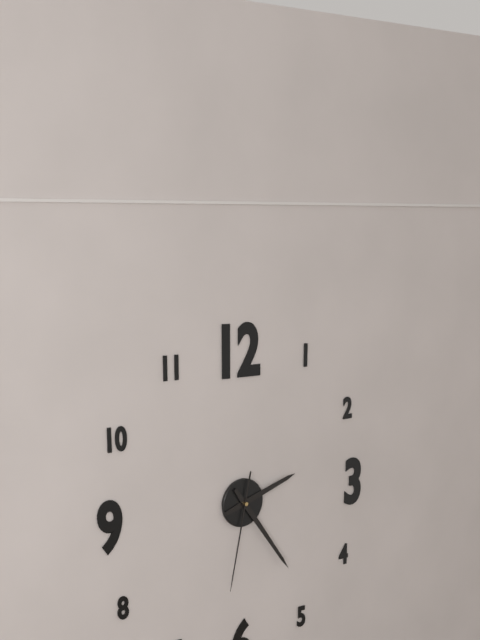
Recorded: 2,24,32
